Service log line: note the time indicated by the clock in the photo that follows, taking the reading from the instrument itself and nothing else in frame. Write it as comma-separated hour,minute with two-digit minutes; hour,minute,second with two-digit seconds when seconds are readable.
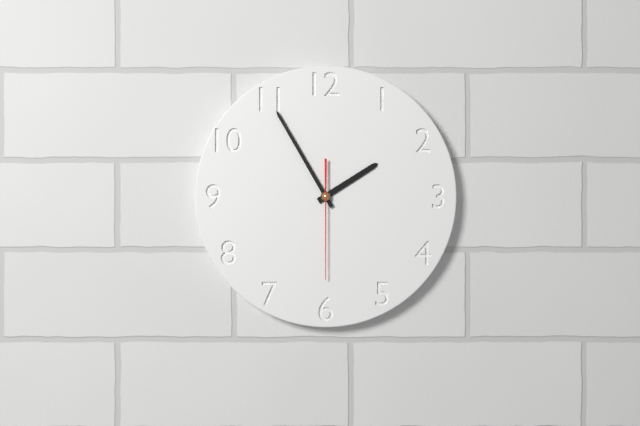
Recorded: 1,55,30
